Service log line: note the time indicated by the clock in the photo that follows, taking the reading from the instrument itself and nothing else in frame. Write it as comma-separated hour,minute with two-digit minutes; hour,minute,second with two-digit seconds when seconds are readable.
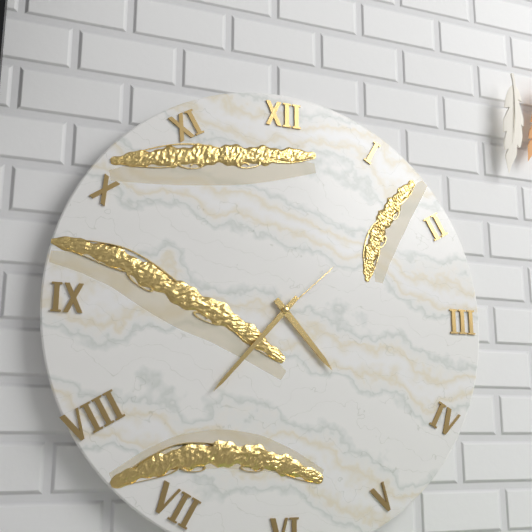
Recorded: 4,37,08
